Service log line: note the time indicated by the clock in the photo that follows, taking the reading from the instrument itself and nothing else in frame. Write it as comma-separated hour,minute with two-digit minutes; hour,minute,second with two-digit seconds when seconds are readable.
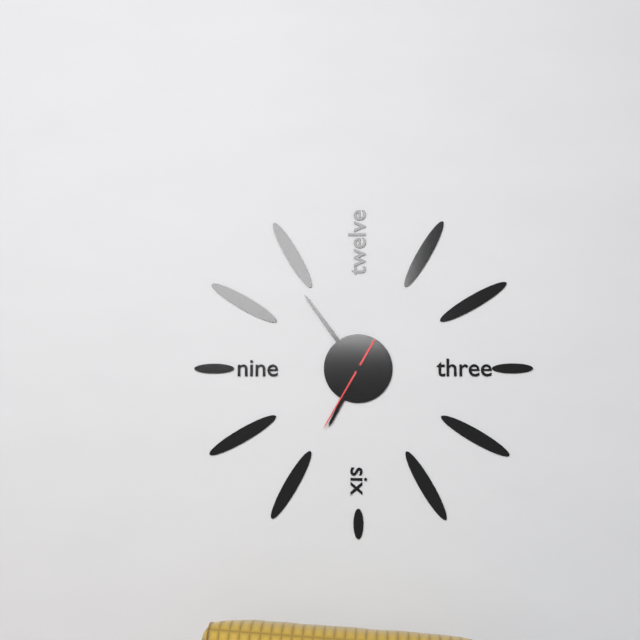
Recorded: 6,54,35
